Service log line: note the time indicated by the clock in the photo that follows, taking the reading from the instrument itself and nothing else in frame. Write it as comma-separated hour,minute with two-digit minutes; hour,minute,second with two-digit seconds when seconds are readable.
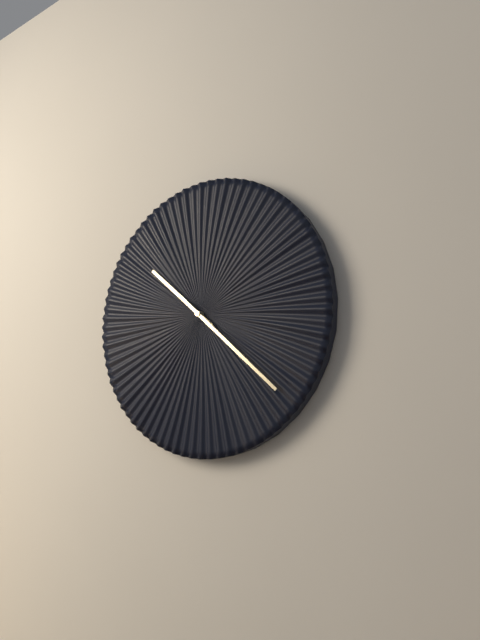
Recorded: 10,22
